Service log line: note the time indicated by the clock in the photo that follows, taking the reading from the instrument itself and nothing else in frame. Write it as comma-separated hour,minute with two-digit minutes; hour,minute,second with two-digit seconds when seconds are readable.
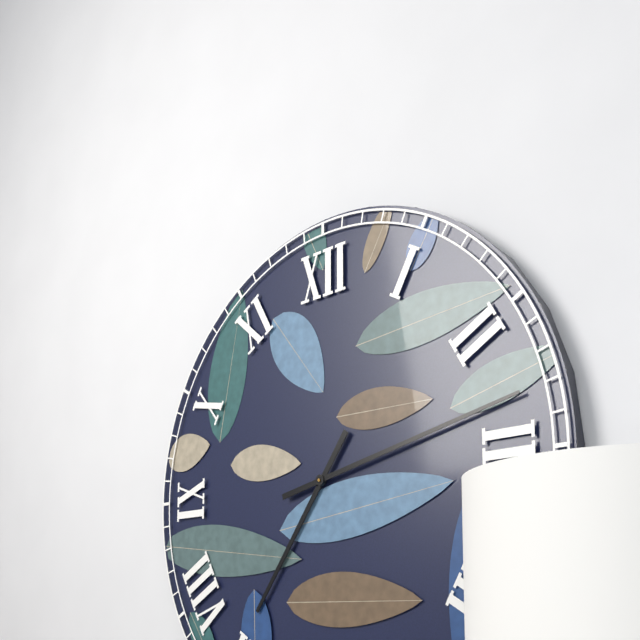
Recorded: 7,13
